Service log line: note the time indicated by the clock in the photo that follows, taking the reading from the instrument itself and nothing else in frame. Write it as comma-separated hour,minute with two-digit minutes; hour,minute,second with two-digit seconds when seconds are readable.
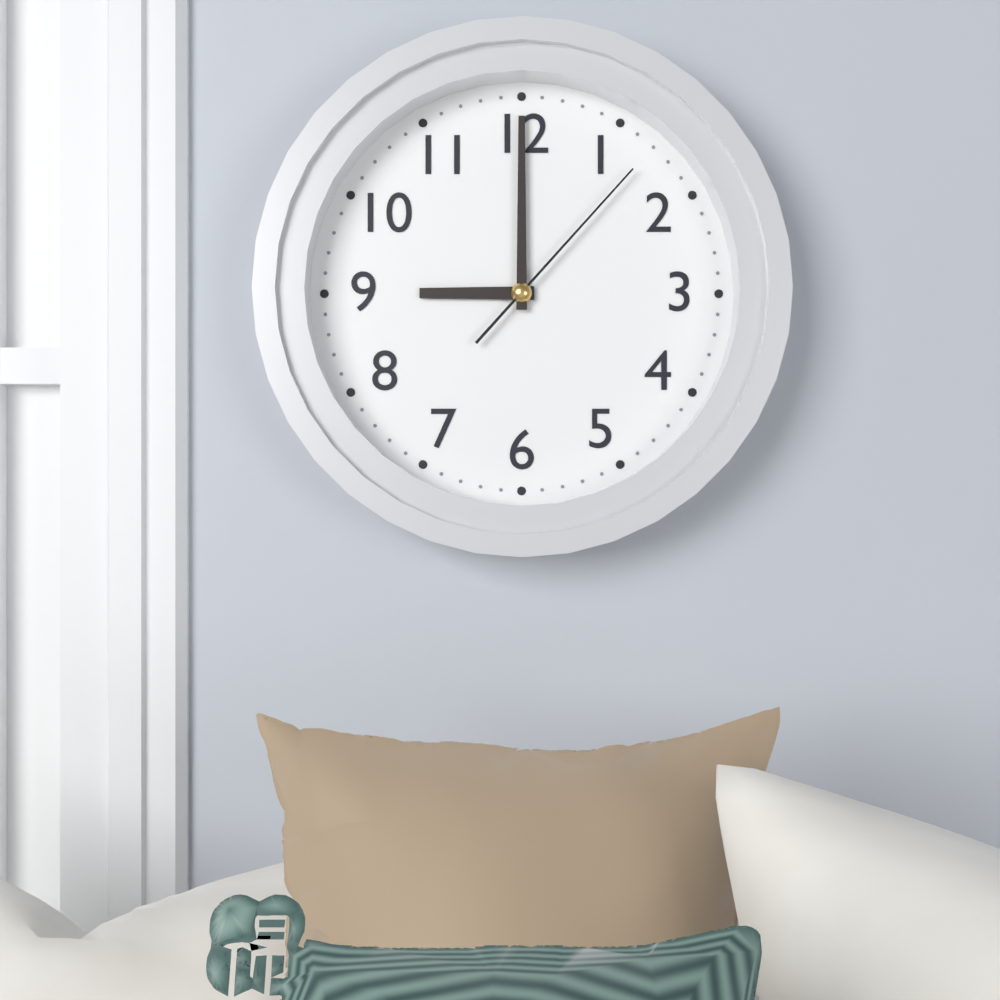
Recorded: 9,00,07
